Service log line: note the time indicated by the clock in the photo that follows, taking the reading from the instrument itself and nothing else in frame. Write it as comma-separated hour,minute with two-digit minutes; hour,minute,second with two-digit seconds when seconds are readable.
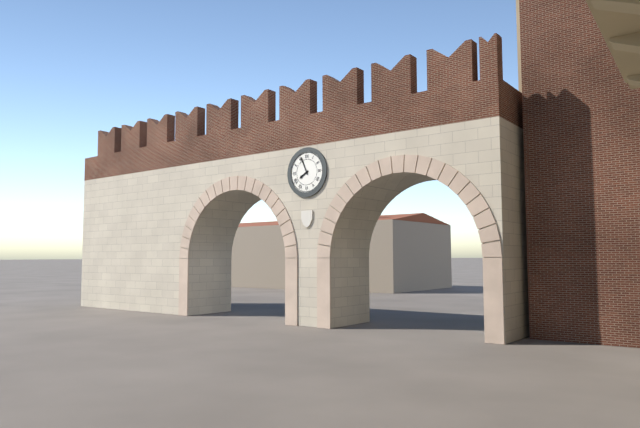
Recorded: 7,56
